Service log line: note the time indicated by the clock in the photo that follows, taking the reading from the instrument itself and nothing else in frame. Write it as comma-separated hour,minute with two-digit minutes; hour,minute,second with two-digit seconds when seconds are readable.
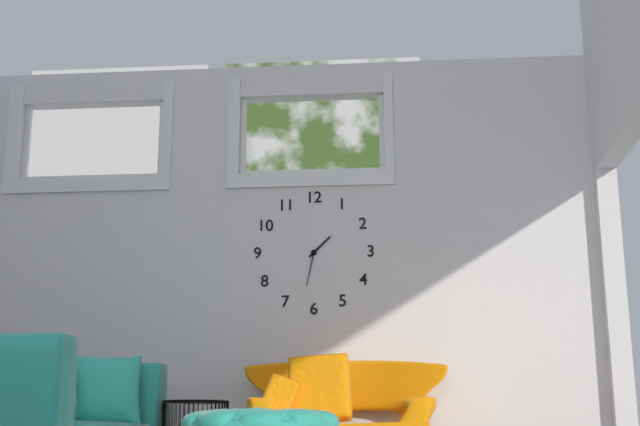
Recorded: 1,32
